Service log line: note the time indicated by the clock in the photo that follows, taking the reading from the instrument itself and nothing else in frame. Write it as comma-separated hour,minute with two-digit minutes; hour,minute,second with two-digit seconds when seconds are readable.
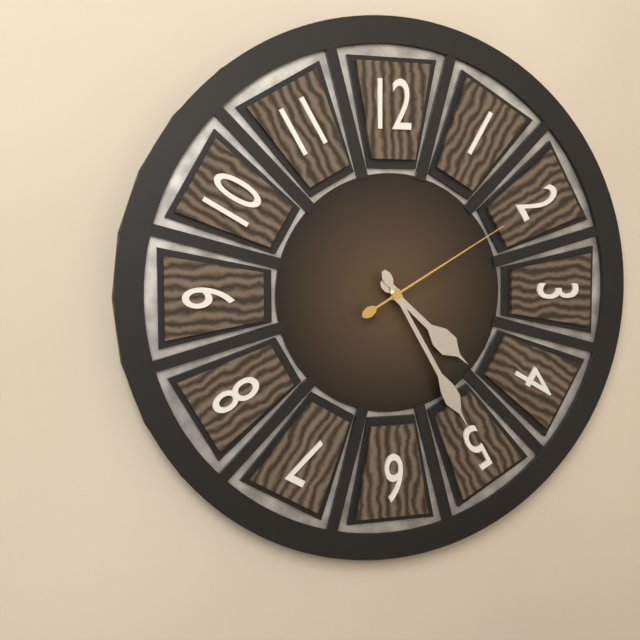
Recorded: 4,25,10
